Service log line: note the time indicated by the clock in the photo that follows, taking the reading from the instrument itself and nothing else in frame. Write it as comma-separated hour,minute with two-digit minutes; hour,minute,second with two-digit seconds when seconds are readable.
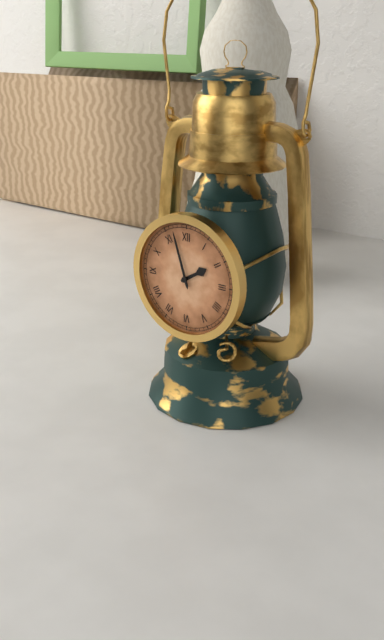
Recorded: 1,57
